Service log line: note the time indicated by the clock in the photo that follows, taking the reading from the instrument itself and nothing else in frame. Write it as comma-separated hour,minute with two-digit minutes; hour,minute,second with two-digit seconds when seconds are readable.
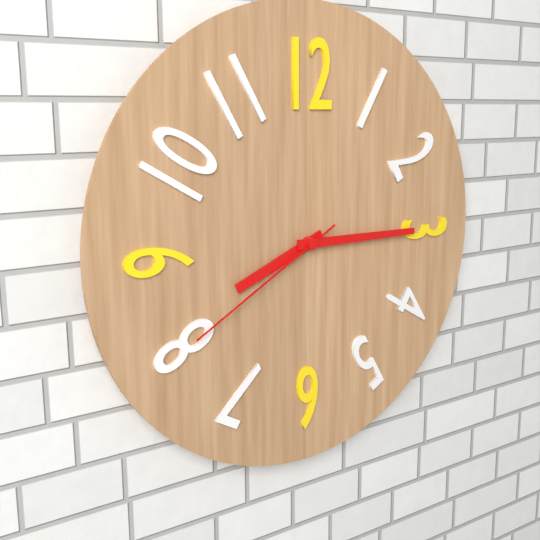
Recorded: 8,15,40
